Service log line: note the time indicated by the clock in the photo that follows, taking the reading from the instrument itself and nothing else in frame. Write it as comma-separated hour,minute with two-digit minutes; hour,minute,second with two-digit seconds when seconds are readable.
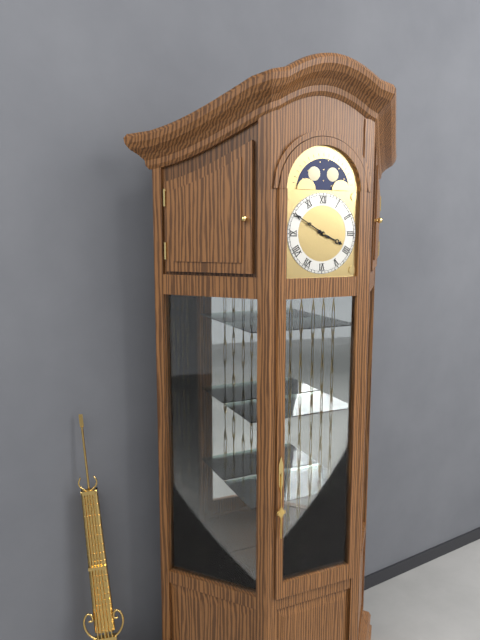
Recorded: 3,50
